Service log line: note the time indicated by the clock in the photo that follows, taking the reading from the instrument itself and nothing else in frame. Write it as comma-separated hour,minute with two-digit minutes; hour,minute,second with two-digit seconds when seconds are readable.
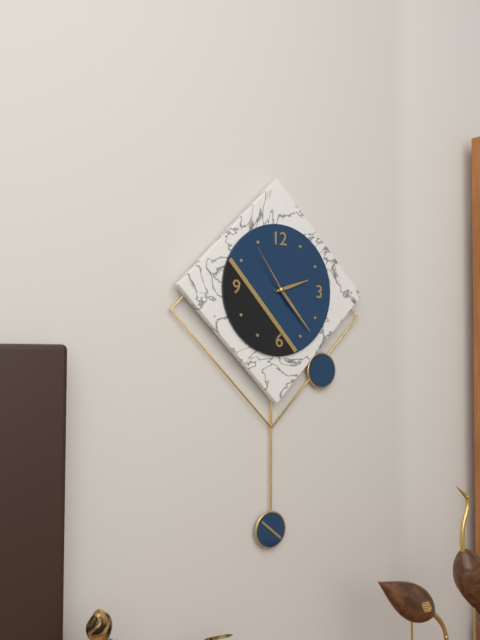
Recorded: 2,23,54
